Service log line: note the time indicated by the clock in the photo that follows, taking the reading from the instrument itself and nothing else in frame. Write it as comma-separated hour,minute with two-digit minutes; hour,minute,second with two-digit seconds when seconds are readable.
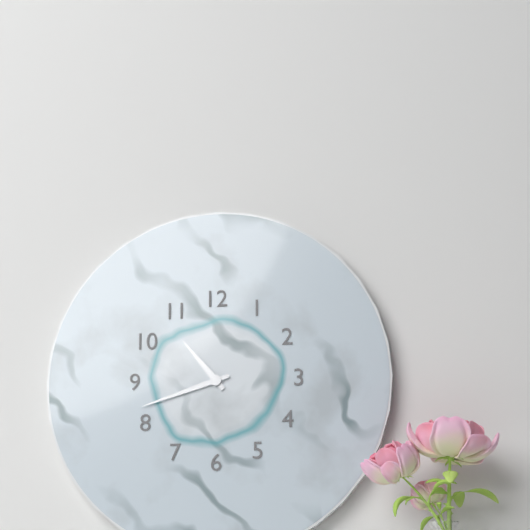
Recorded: 10,42
